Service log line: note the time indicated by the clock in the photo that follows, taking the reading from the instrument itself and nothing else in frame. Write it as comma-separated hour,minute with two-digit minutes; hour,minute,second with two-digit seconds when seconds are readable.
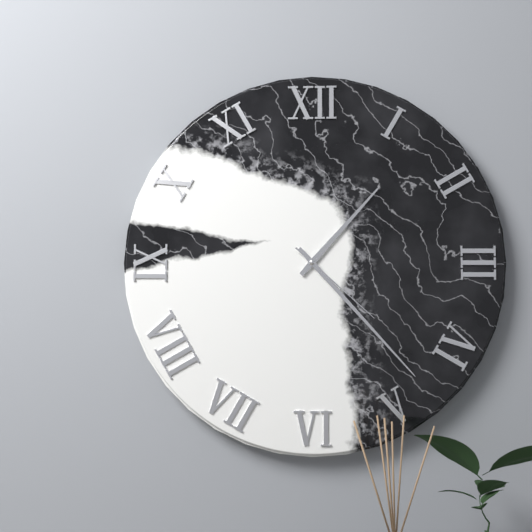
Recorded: 1,23,22
